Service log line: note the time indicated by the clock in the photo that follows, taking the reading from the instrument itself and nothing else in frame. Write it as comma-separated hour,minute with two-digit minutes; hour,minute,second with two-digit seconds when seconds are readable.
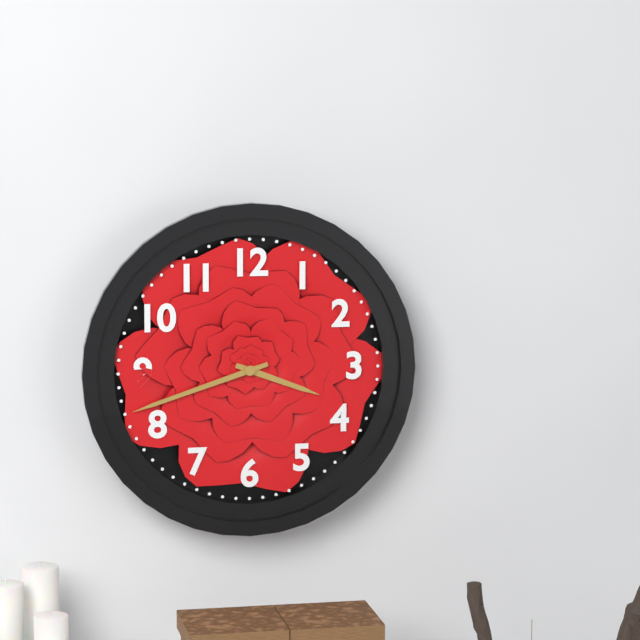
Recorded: 3,42
